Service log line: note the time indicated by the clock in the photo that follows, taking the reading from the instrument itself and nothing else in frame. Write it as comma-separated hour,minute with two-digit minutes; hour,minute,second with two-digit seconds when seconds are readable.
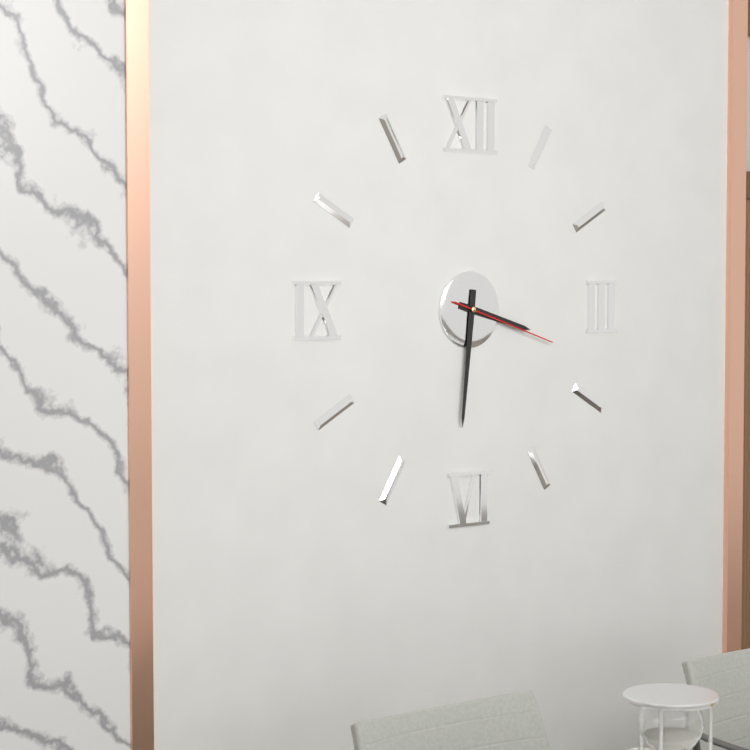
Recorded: 3,31,18
